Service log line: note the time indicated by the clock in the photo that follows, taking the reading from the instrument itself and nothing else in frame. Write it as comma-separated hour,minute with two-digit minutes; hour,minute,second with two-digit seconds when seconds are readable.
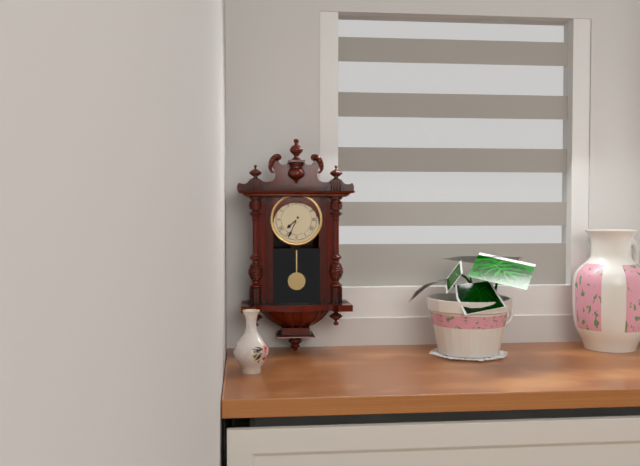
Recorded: 7,34
